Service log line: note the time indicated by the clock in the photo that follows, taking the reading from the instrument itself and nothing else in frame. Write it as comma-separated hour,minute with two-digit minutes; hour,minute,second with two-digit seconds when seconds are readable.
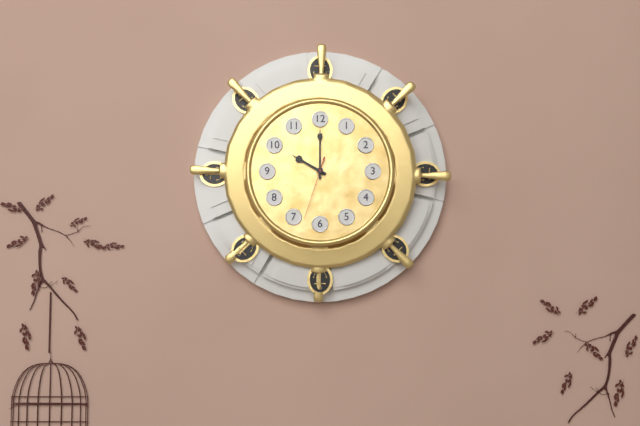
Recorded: 10,00,33
